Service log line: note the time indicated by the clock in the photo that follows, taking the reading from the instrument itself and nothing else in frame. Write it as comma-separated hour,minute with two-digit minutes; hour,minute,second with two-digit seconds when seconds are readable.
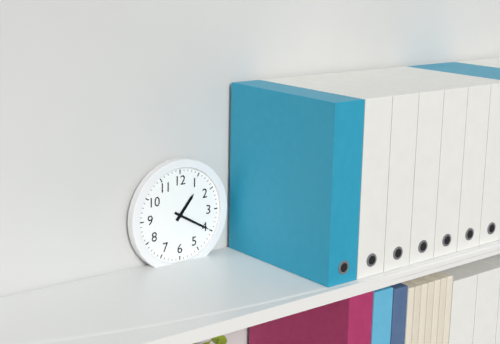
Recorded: 1,20
